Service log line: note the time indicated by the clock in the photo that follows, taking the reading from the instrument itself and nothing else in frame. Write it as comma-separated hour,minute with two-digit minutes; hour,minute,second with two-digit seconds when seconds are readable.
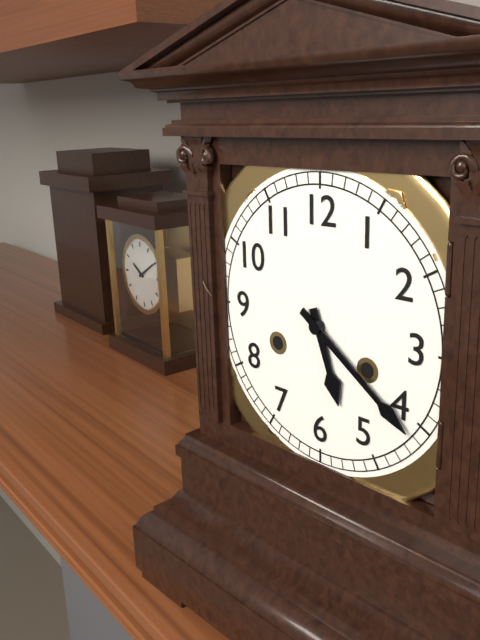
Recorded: 5,21
